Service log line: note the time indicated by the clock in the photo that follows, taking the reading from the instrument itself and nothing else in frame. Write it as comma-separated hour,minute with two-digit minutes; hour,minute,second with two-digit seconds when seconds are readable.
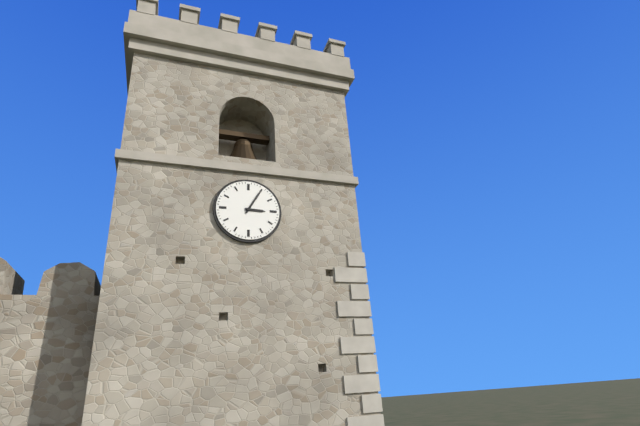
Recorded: 3,05
